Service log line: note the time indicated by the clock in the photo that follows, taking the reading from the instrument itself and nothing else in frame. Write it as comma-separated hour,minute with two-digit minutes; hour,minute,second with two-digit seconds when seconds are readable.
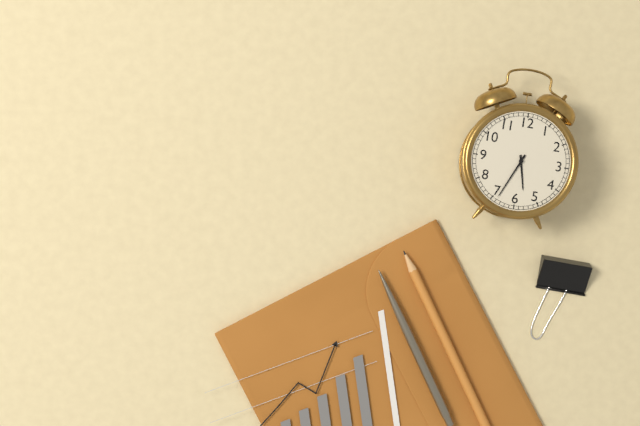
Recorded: 5,34
